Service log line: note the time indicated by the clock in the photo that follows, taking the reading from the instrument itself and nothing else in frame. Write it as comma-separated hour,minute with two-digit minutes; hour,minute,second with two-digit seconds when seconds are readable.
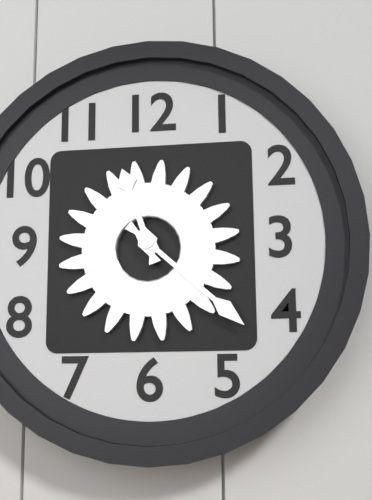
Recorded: 11,22
